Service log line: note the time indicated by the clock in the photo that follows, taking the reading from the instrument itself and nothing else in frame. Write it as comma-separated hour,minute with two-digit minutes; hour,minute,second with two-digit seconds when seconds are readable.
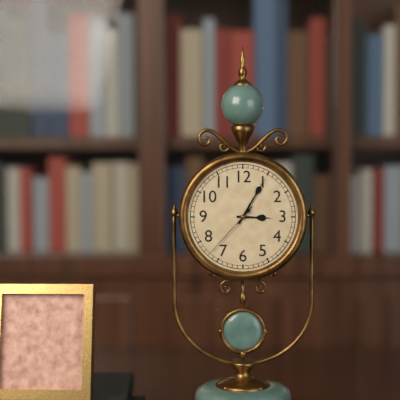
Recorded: 3,05,37
